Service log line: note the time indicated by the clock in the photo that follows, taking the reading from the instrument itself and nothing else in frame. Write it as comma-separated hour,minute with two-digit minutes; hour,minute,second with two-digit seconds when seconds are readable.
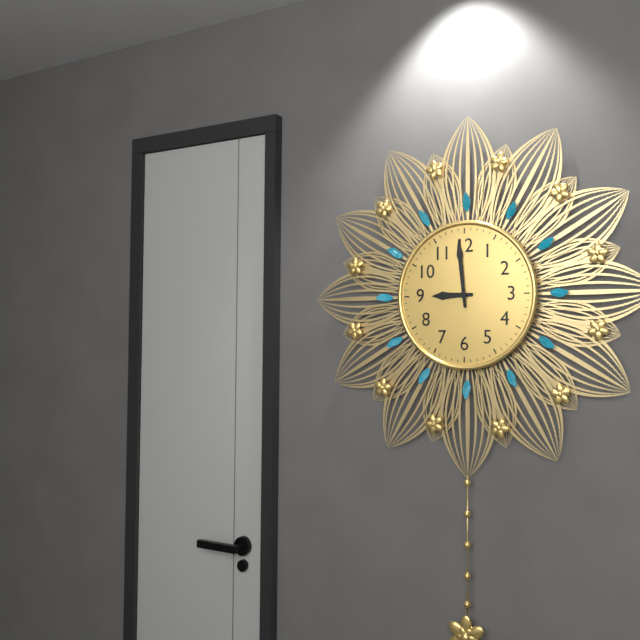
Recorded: 8,59
